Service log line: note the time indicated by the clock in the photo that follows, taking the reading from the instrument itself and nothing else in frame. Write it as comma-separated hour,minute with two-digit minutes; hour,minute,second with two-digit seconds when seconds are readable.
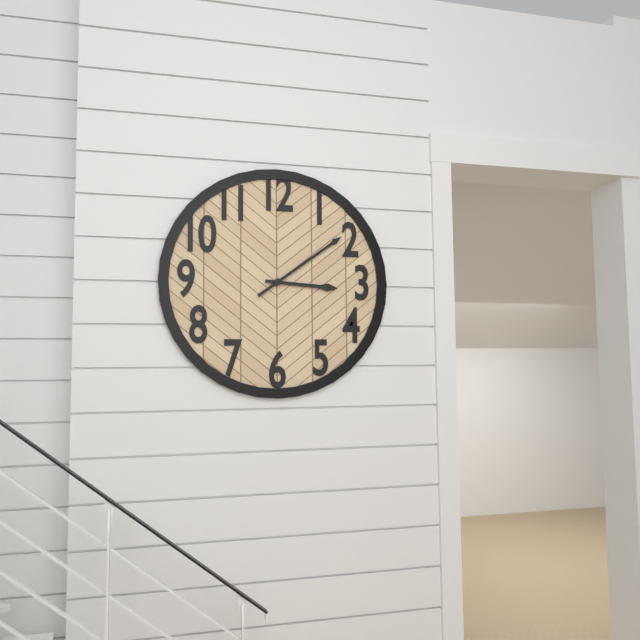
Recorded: 3,09
